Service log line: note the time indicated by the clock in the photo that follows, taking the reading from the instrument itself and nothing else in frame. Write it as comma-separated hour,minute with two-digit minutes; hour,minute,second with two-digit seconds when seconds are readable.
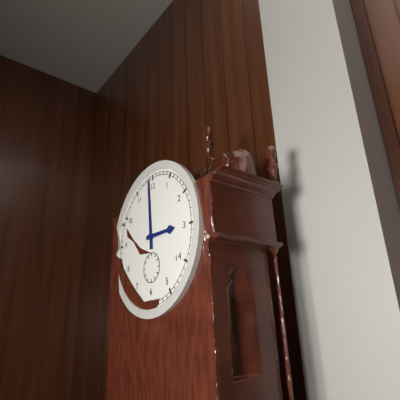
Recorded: 2,59
